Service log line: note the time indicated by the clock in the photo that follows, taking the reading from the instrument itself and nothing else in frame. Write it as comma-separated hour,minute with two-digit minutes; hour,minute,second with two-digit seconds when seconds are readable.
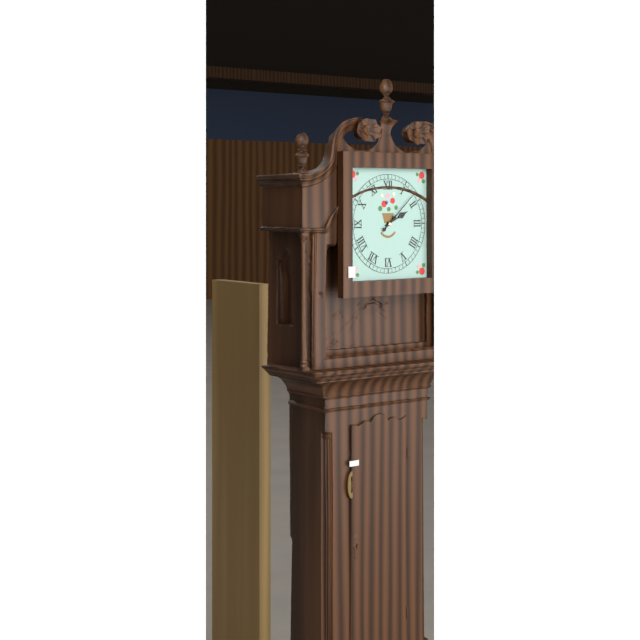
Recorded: 2,08
